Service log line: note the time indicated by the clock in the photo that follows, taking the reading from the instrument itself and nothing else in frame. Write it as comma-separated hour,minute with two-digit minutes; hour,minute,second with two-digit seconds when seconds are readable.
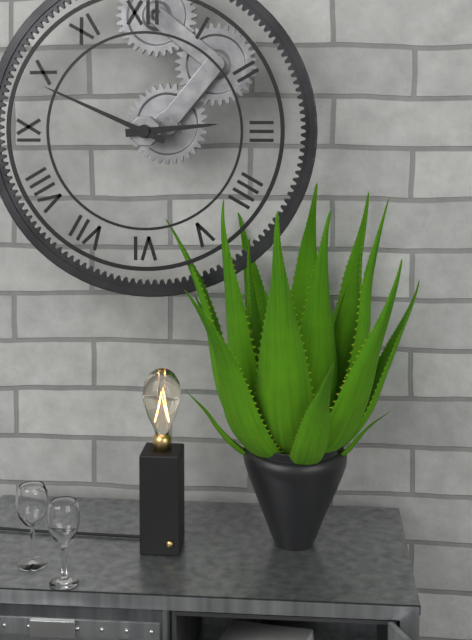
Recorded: 2,49
